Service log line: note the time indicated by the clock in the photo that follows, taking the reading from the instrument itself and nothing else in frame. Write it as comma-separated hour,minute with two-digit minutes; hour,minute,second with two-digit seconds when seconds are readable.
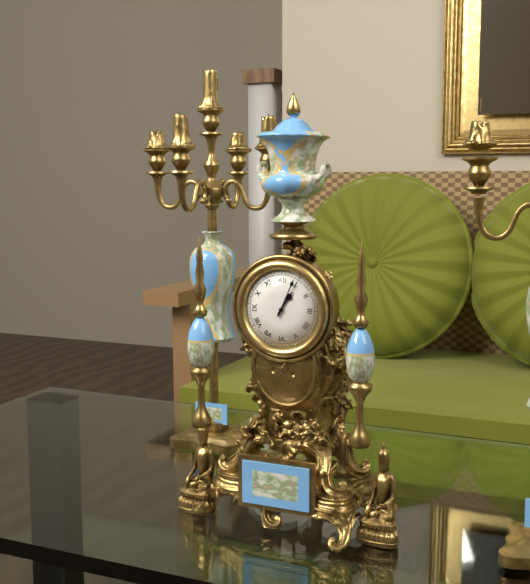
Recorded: 1,04
